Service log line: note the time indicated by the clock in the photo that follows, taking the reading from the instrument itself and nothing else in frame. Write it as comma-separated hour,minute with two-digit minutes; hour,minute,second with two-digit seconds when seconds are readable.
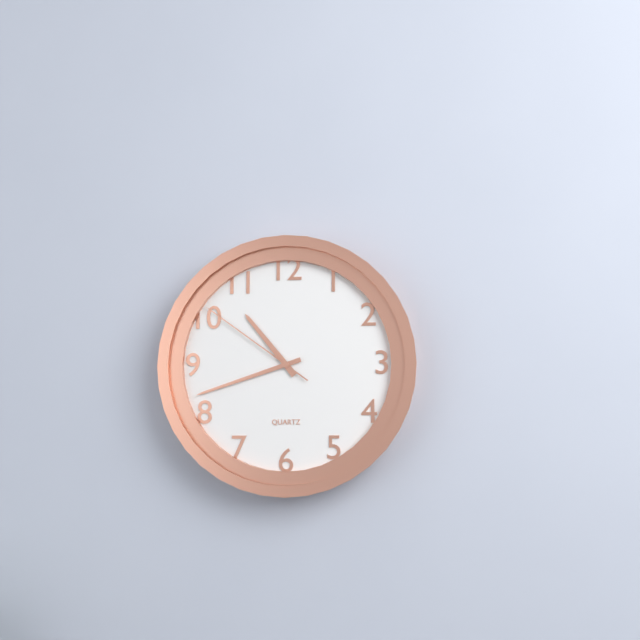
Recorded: 10,42,51
